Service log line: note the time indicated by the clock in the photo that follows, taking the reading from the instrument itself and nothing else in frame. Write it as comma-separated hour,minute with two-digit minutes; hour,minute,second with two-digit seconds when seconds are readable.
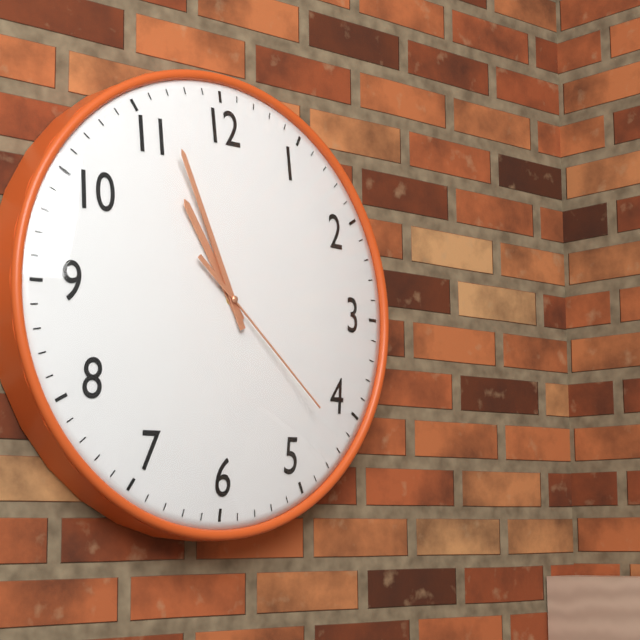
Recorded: 10,56,22
